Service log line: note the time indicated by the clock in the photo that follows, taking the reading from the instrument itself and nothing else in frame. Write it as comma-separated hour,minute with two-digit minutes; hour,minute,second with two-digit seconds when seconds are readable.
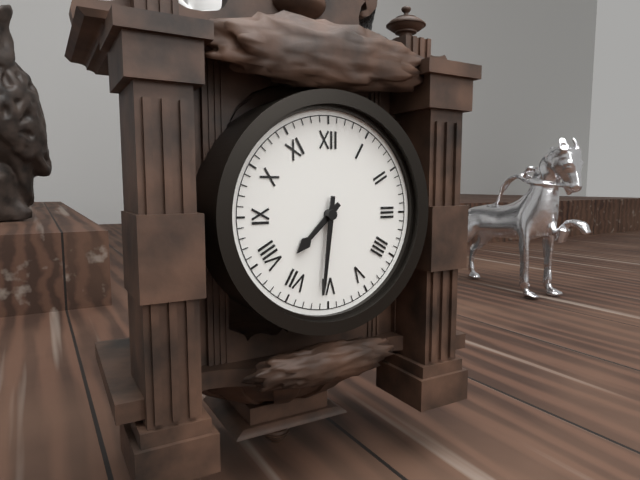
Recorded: 7,31
